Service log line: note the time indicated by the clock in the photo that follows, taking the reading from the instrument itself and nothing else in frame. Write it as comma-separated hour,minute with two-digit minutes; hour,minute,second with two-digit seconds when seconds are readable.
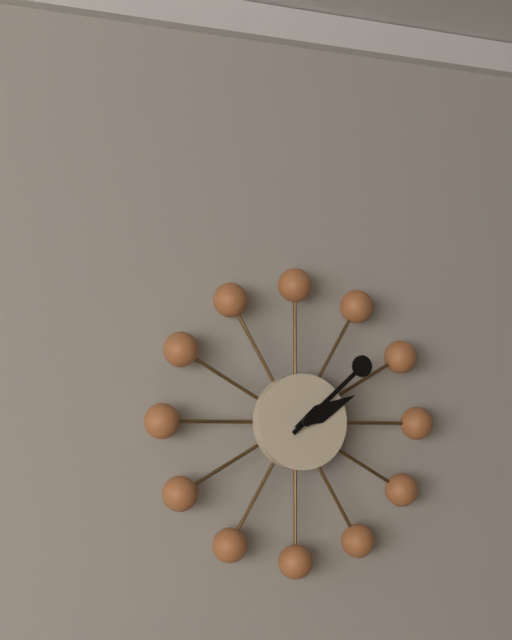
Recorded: 2,08
